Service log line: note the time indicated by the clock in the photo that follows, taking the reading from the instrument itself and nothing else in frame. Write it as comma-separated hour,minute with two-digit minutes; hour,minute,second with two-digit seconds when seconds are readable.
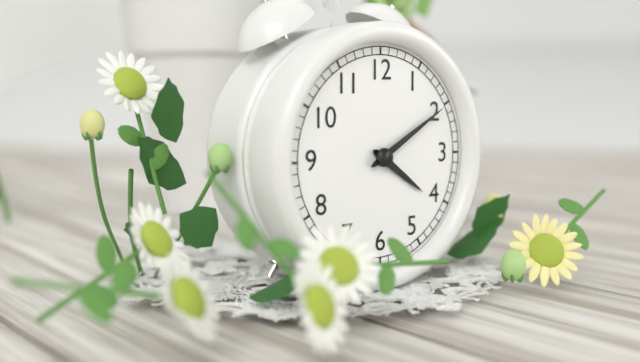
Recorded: 4,10
